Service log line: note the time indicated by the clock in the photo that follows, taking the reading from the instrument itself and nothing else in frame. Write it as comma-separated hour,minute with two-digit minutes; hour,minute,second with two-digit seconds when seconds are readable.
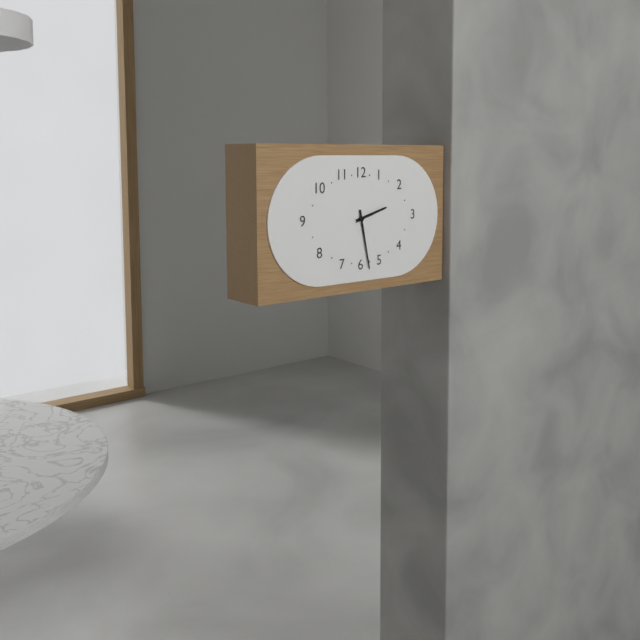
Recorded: 2,28
